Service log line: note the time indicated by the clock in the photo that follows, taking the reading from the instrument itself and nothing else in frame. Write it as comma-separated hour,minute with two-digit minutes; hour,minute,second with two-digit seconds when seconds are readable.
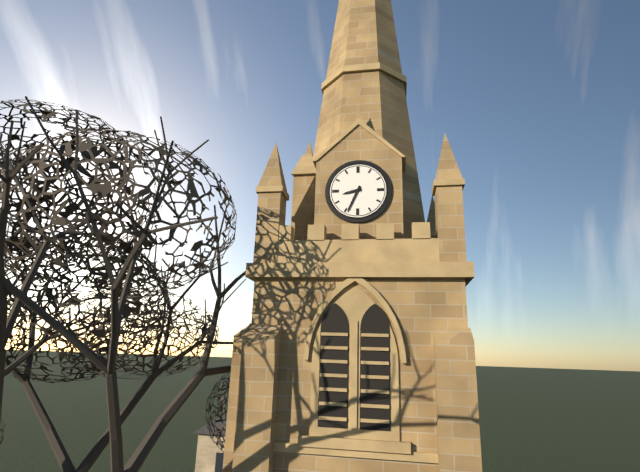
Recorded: 8,34
